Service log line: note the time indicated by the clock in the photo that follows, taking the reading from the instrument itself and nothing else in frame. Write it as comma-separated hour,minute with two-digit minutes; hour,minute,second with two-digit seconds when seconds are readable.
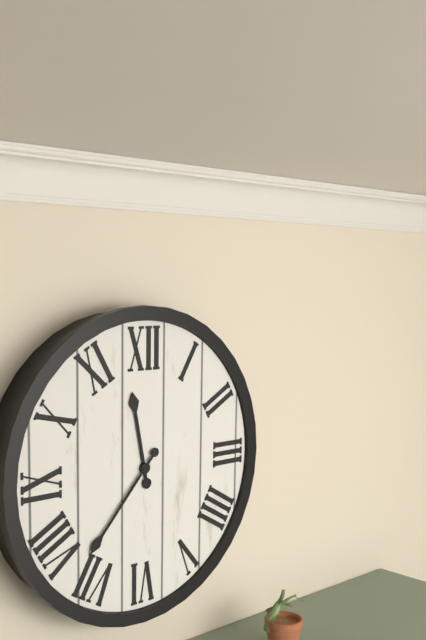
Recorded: 11,37
